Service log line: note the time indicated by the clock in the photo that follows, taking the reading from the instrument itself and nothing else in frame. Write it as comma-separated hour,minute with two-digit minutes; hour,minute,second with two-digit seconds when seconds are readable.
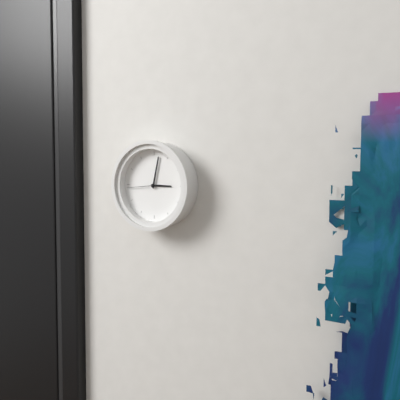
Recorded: 3,02
